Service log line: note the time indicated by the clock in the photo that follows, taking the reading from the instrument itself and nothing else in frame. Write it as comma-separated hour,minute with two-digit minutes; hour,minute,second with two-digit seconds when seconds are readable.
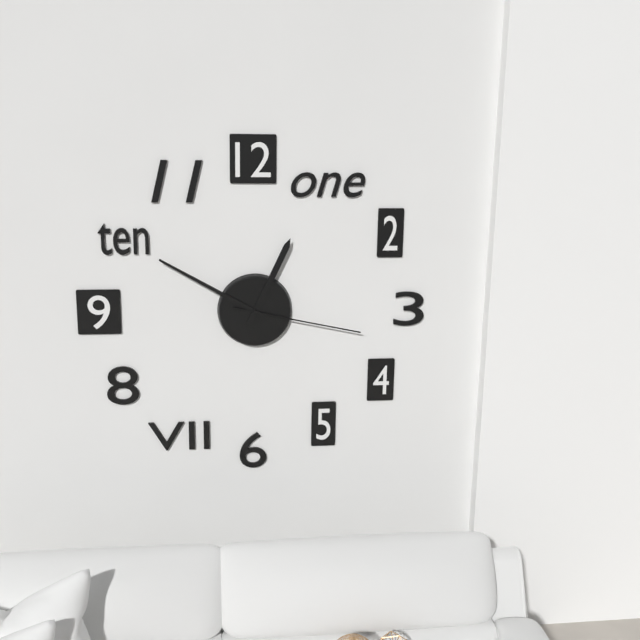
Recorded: 12,50,17
